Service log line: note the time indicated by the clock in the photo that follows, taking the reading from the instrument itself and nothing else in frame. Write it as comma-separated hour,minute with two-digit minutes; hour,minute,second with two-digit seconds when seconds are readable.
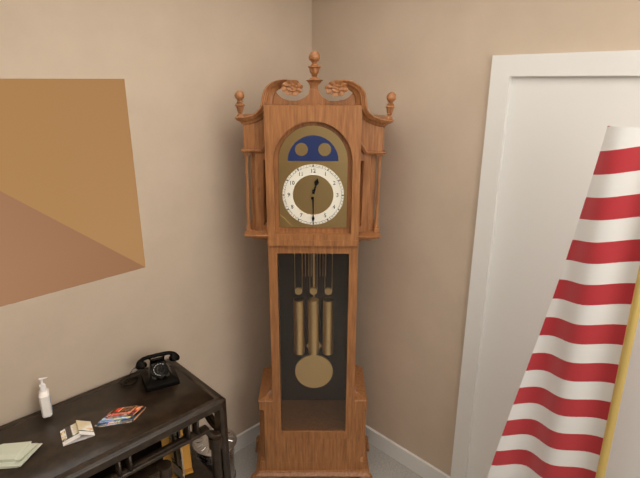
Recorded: 12,30
